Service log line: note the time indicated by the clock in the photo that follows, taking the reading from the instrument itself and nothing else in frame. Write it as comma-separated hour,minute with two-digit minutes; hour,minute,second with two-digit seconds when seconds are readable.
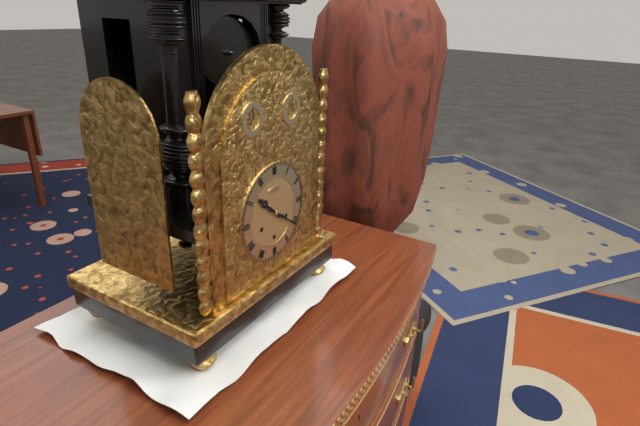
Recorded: 10,21
